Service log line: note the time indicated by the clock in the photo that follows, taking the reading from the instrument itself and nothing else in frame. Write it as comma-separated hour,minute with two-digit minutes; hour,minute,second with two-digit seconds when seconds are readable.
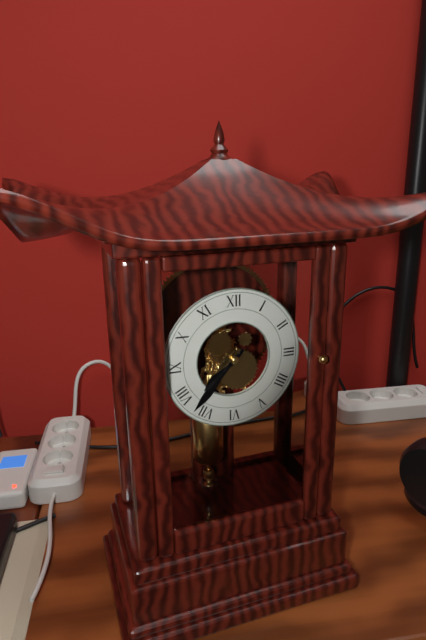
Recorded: 7,37
